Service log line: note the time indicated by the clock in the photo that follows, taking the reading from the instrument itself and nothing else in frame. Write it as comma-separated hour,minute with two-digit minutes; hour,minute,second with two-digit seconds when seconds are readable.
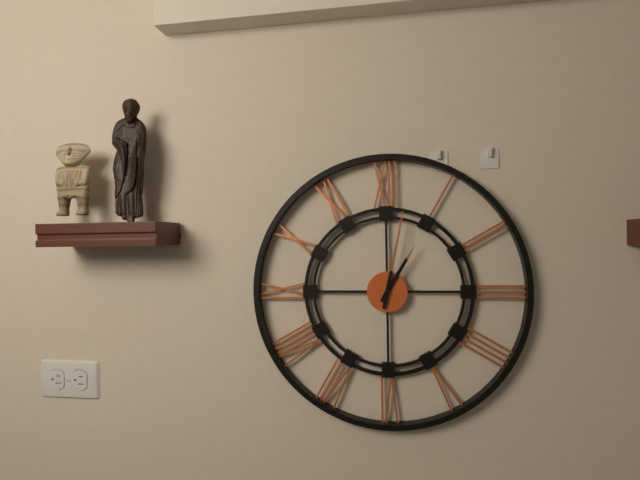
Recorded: 1,02
